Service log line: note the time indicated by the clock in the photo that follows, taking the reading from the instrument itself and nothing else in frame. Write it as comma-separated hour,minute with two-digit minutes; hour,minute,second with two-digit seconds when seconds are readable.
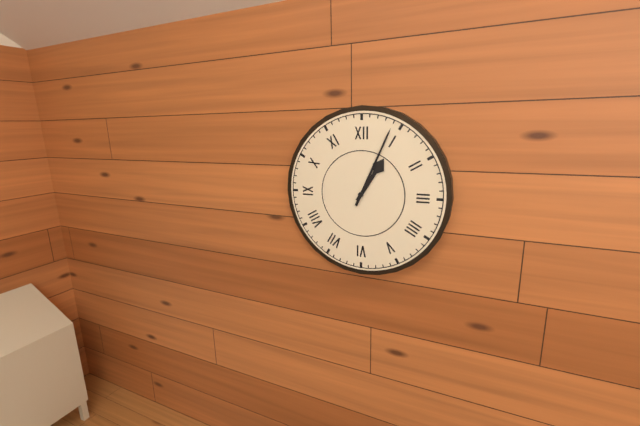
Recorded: 1,04
